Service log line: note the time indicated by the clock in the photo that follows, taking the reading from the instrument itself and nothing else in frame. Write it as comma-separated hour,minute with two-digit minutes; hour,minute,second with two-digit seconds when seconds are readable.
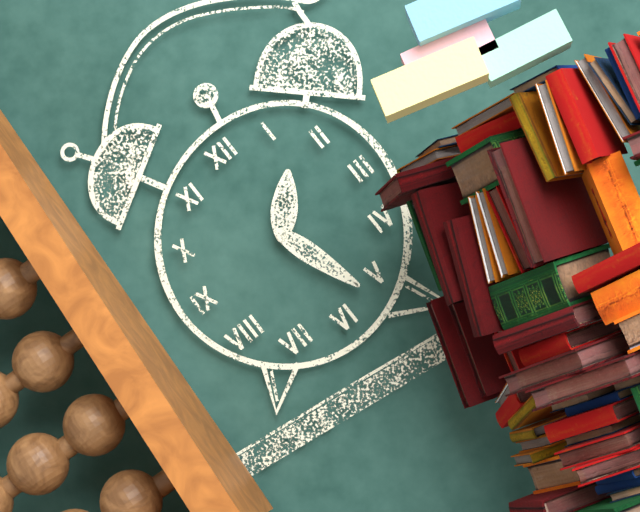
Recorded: 1,27
